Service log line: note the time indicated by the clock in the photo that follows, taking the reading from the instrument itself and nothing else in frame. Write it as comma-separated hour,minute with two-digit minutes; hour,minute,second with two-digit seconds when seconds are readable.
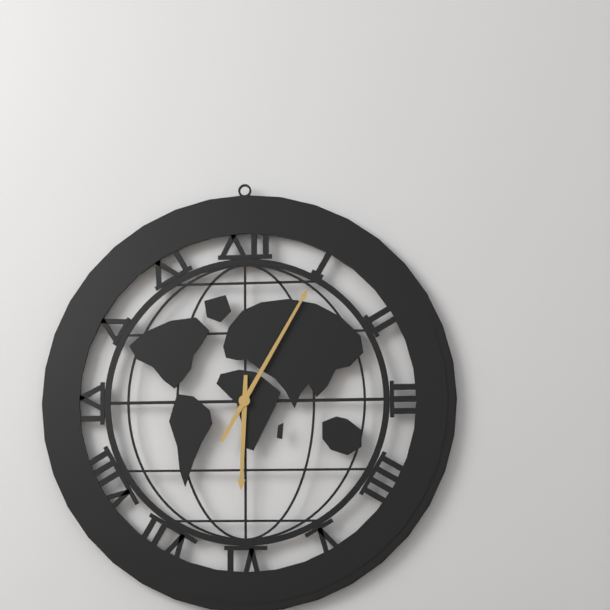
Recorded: 6,05
